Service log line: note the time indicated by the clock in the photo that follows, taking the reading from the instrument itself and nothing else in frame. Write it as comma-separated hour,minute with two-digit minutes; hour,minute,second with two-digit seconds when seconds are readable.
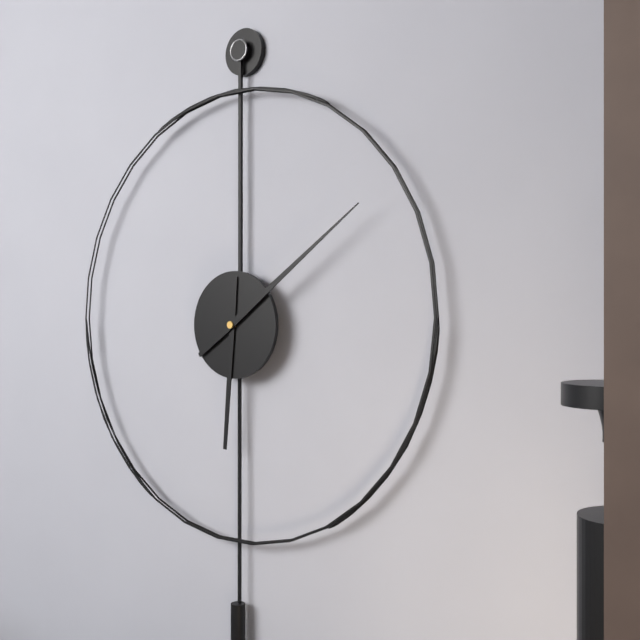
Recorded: 6,09
